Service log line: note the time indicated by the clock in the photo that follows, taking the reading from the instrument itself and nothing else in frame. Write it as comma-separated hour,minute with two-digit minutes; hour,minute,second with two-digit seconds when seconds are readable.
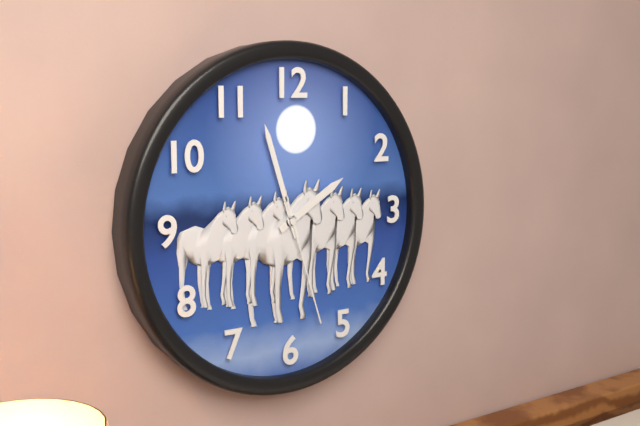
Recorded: 1,57,27
